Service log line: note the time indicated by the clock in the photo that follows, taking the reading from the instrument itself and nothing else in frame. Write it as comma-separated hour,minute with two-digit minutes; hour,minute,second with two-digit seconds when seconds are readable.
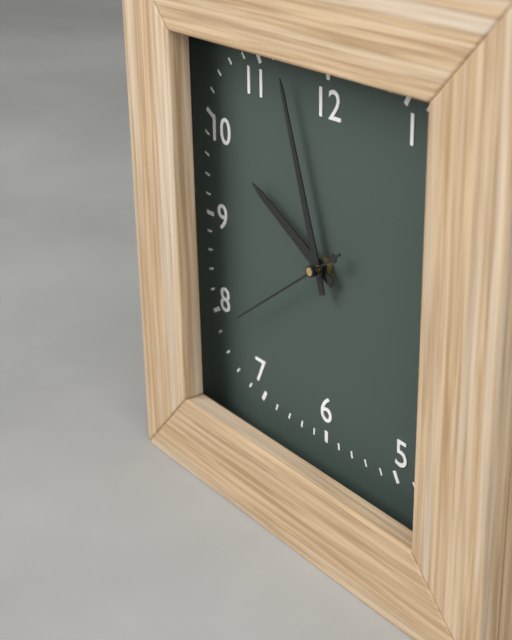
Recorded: 9,57,39
